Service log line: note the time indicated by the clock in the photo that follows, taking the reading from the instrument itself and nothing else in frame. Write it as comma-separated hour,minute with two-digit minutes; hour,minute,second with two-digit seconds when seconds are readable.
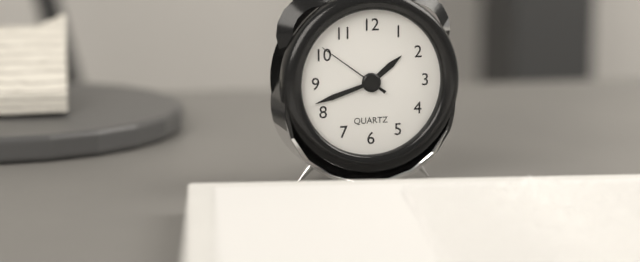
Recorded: 1,42,51
